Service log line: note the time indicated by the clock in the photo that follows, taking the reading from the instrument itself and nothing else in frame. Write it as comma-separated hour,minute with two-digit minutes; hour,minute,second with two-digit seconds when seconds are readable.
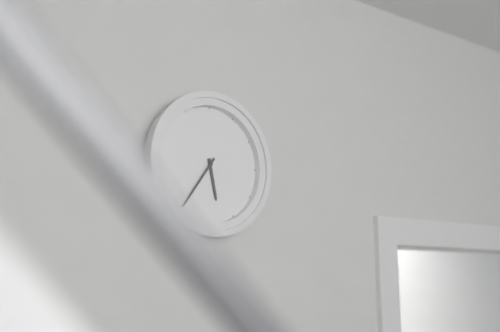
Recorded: 5,36
